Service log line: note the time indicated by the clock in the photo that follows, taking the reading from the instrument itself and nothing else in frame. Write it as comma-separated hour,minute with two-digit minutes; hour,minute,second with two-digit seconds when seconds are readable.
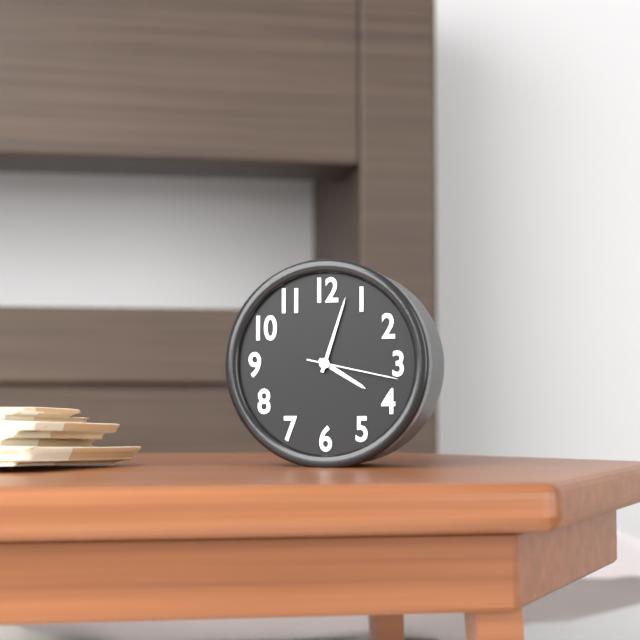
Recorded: 4,03,17
